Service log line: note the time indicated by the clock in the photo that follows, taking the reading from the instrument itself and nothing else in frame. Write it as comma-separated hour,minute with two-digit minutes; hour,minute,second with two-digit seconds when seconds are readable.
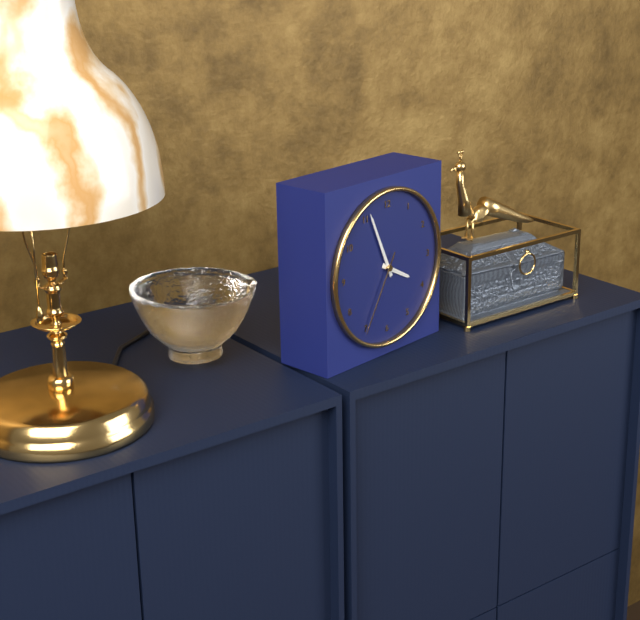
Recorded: 3,56,35
